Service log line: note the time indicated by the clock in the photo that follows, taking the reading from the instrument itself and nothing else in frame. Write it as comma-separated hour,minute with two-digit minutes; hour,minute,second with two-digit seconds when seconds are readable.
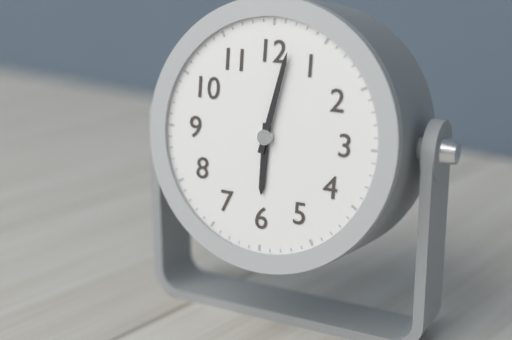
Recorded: 6,02
